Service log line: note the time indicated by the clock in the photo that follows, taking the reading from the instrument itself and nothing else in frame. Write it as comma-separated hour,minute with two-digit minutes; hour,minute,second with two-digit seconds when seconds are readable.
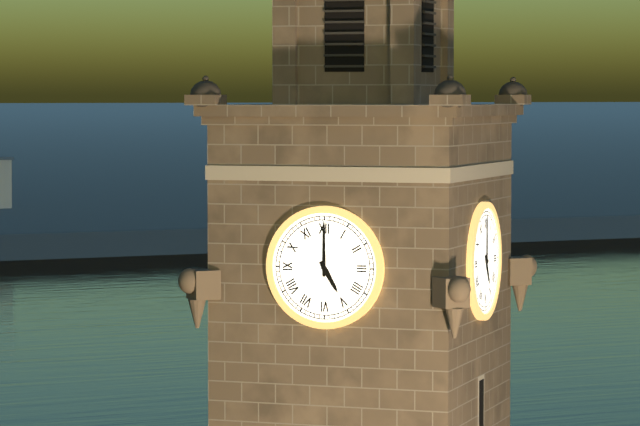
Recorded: 5,00
